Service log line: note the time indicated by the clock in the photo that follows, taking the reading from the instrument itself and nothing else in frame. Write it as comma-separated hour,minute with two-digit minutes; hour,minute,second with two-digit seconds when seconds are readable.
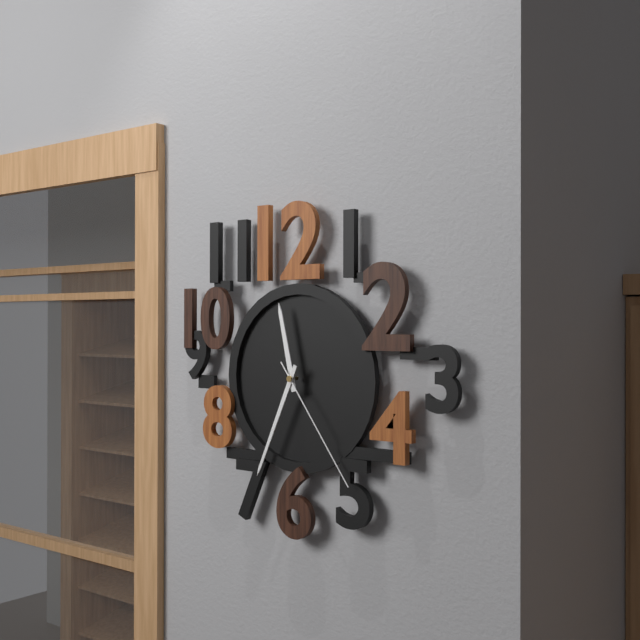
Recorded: 11,34,24
